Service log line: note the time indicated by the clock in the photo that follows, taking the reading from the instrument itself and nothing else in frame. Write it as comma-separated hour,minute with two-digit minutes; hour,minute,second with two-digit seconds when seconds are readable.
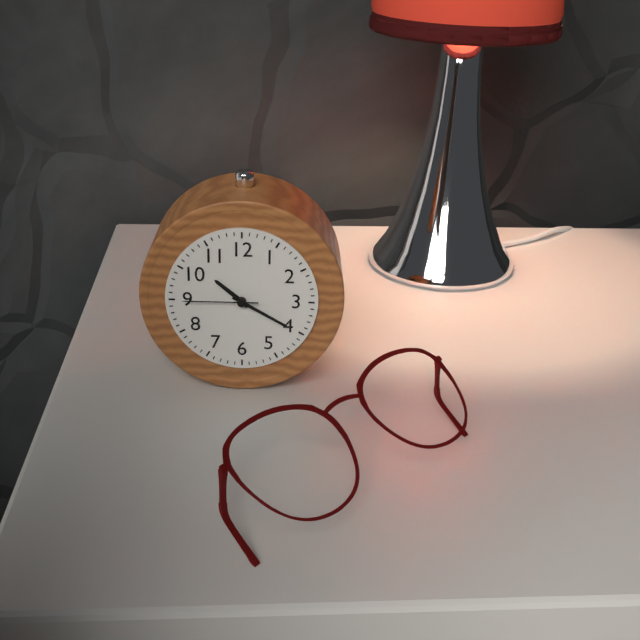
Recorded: 10,20,45
